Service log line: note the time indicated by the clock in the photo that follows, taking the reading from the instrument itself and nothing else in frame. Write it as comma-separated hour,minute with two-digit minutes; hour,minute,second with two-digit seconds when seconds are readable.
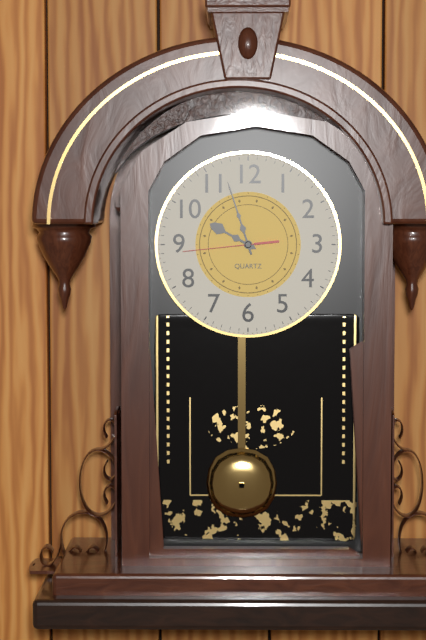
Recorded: 9,57,44
